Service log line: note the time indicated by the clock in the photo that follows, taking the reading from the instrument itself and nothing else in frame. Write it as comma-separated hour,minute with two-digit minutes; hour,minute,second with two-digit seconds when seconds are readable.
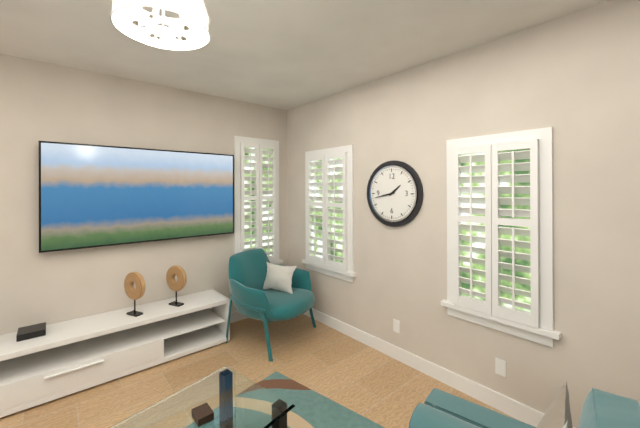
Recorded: 1,43
